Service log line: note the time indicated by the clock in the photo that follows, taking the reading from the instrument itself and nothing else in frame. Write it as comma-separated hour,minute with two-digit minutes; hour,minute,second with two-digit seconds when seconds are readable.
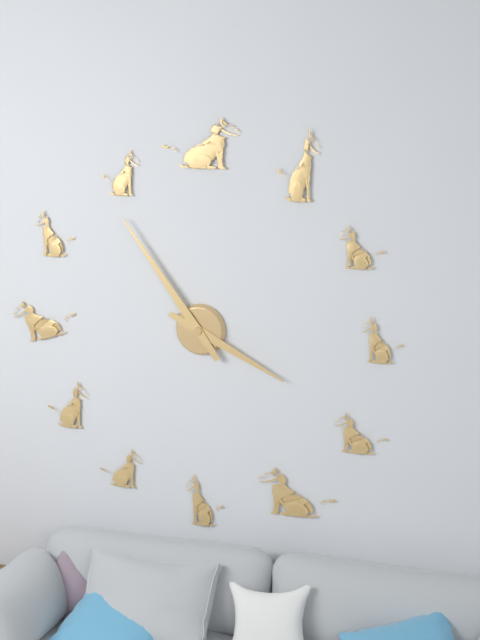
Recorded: 3,54
